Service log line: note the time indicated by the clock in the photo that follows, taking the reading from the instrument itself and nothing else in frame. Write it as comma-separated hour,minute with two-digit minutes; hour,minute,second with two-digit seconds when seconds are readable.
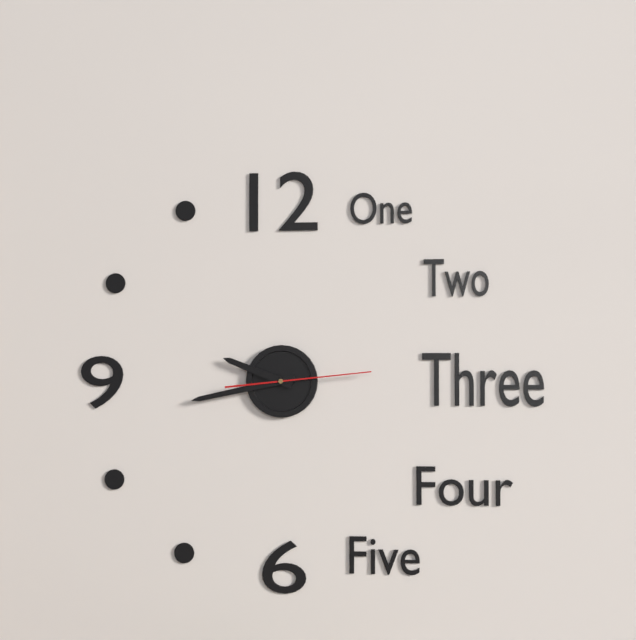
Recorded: 9,43,14
